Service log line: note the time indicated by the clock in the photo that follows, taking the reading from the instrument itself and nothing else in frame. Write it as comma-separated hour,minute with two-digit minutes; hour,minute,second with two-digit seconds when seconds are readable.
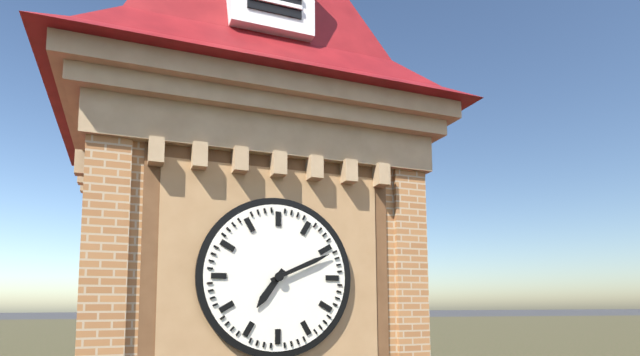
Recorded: 7,11
